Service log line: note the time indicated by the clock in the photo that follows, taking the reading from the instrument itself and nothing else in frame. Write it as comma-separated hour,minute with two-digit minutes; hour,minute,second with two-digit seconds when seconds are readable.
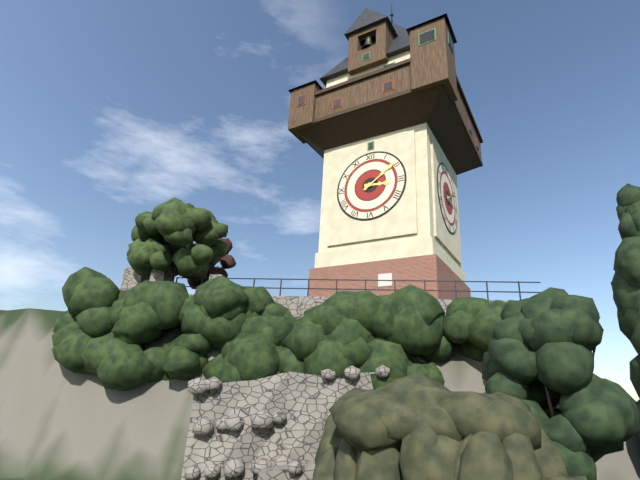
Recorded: 3,09
